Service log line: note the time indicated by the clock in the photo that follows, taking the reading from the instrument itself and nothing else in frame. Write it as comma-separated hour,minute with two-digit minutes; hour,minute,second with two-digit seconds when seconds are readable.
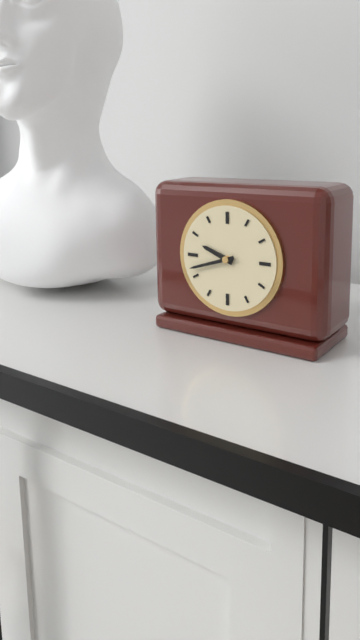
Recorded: 9,42
